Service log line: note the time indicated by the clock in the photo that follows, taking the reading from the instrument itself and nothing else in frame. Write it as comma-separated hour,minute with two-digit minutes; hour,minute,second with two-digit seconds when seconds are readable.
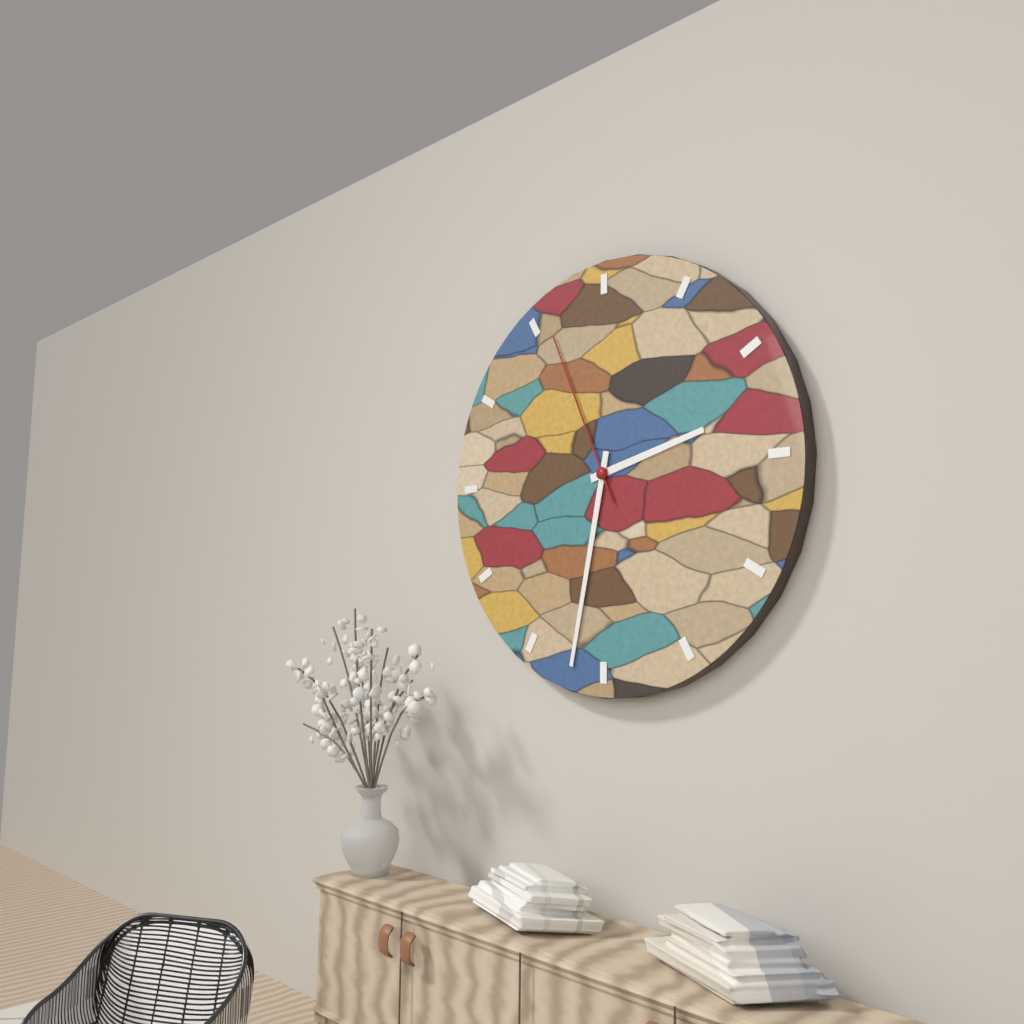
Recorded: 2,32,56
